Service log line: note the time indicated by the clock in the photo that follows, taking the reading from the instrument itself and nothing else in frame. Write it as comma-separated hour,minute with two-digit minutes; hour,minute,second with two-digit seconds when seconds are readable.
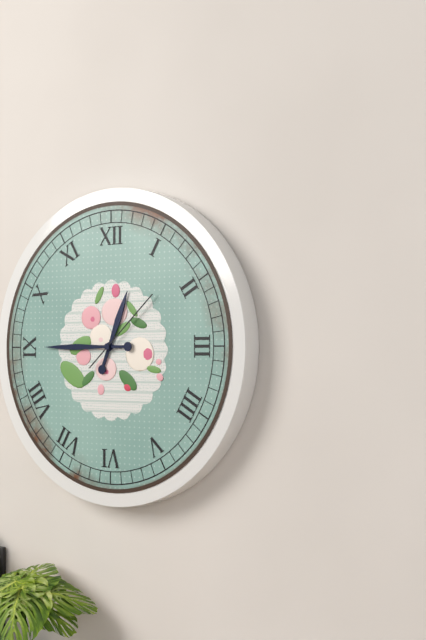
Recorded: 12,45,08
